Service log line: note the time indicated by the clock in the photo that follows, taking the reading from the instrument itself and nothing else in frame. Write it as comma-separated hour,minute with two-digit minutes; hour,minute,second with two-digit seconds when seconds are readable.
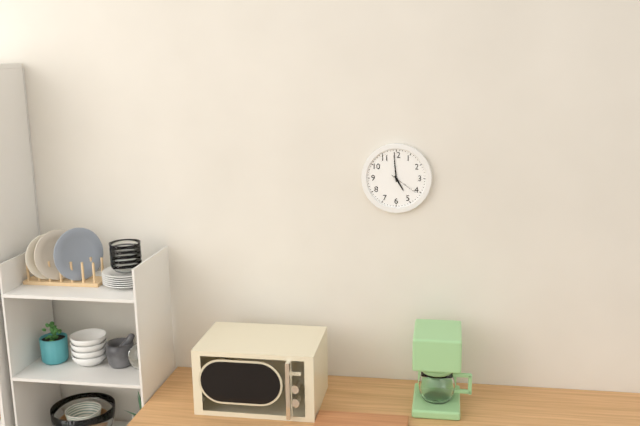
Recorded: 4,59
